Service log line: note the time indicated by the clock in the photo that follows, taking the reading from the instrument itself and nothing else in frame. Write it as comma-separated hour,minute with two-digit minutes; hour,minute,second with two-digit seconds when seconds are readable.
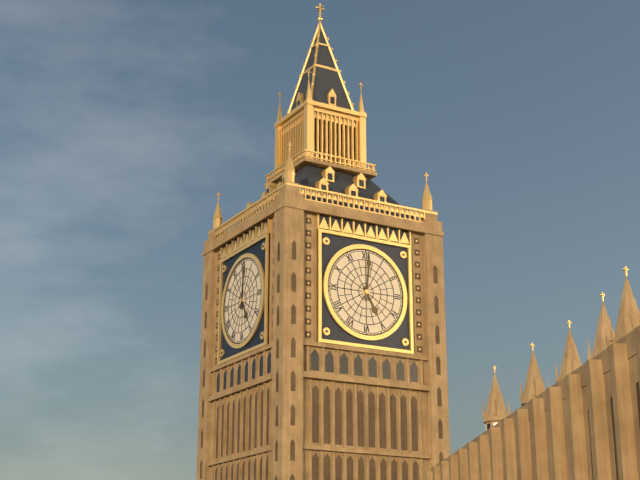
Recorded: 5,01
